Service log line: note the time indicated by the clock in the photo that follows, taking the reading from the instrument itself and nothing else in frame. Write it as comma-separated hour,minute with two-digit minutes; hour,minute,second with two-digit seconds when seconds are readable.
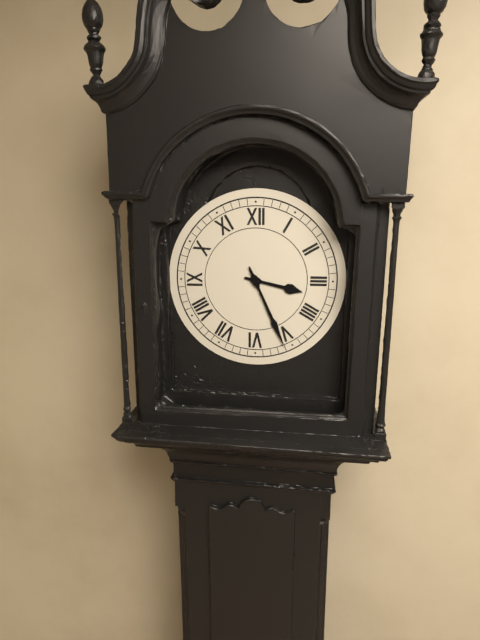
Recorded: 3,26
